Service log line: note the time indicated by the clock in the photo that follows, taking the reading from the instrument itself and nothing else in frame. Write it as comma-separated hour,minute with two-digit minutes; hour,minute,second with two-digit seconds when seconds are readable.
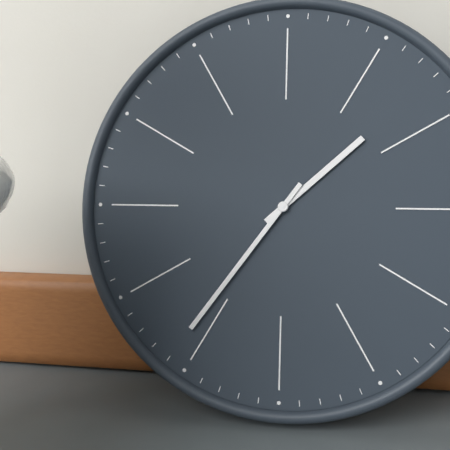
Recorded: 1,36
